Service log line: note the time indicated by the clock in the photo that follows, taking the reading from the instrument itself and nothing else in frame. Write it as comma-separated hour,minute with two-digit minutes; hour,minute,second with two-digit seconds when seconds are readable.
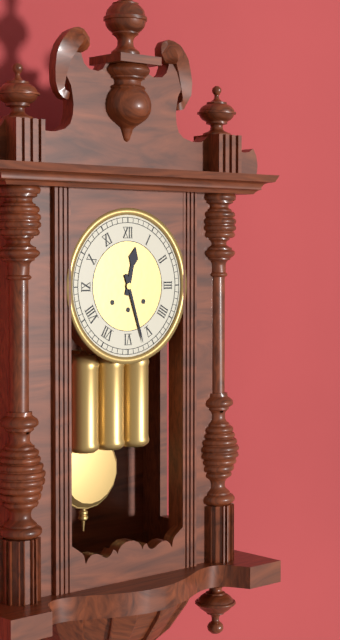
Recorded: 12,27
